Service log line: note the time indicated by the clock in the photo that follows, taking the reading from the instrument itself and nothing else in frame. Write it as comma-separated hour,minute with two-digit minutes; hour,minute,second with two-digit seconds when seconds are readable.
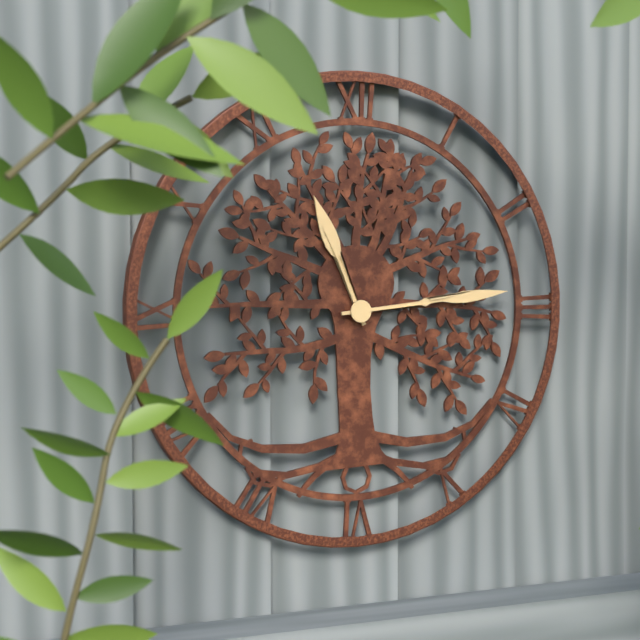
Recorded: 11,14
